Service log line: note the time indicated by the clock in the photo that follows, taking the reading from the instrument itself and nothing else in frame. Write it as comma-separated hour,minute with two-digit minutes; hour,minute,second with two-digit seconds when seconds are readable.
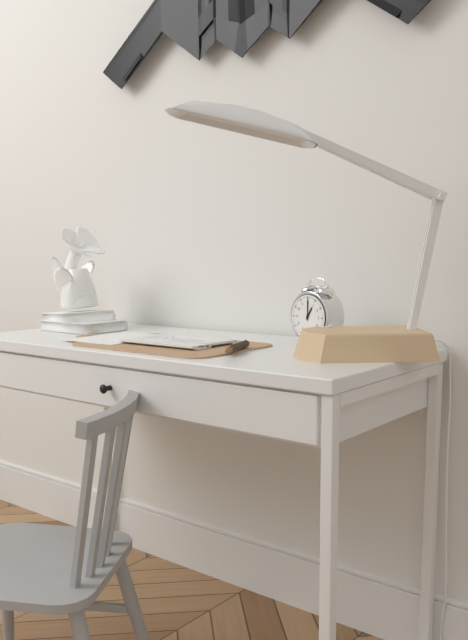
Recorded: 1,00
